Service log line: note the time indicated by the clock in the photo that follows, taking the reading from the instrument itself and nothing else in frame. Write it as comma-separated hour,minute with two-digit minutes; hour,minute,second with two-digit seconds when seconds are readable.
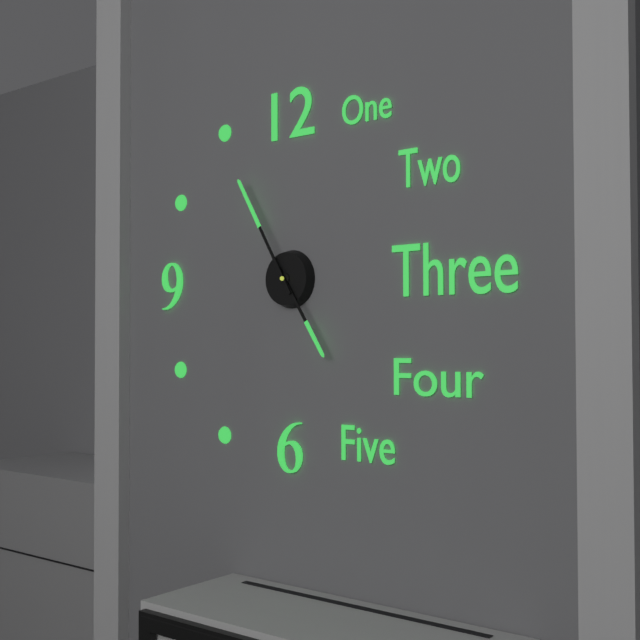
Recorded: 4,55
